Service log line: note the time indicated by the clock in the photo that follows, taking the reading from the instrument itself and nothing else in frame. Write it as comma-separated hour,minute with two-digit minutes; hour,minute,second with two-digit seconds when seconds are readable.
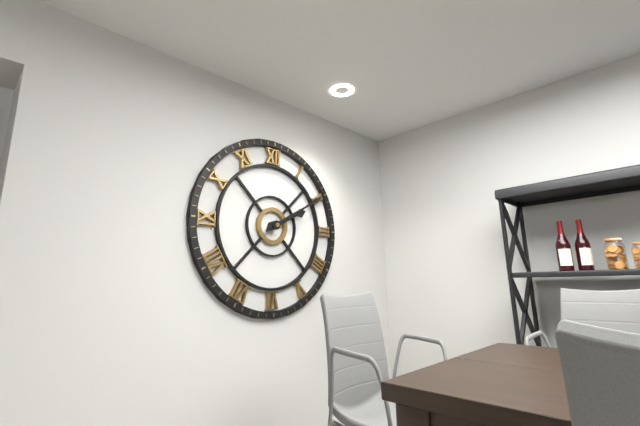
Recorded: 2,10
